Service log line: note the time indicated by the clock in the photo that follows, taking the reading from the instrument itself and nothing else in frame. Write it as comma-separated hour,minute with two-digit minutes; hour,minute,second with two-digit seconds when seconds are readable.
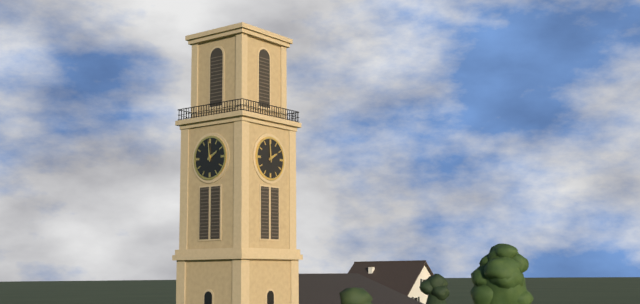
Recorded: 1,59
